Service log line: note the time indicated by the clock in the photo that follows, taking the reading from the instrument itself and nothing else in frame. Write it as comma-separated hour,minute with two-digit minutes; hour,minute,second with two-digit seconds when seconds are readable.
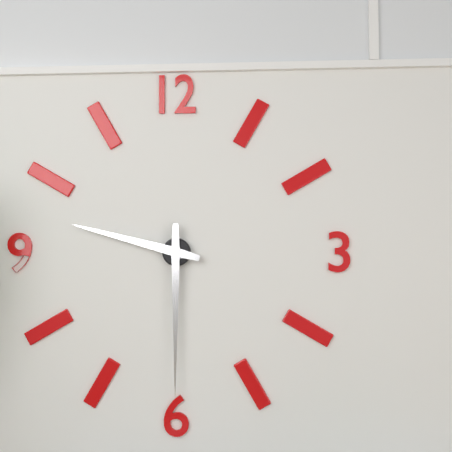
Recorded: 9,30
